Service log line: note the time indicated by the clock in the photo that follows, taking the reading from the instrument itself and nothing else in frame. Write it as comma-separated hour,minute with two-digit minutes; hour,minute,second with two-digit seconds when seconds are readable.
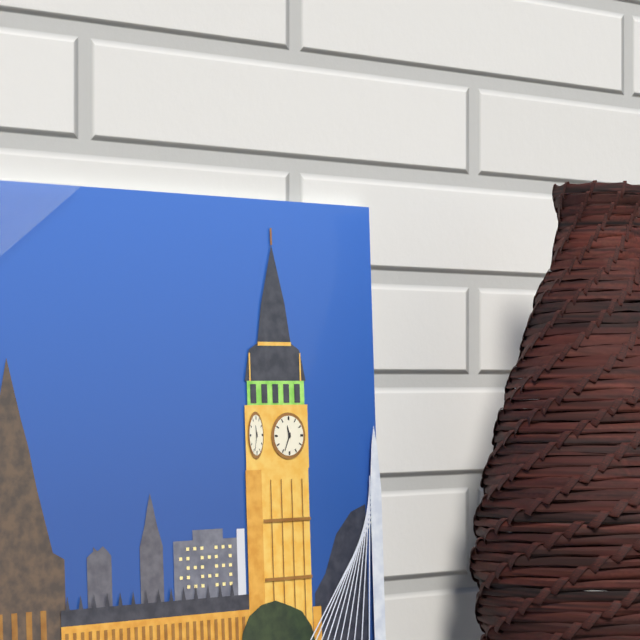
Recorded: 11,34
